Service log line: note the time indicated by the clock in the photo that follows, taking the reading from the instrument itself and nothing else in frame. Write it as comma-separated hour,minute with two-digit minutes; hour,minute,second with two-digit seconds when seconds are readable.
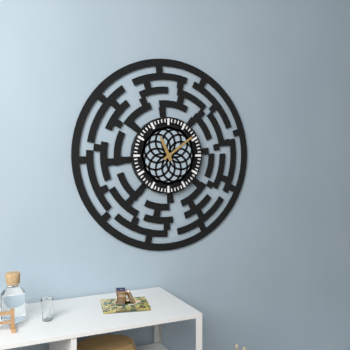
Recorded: 11,09
